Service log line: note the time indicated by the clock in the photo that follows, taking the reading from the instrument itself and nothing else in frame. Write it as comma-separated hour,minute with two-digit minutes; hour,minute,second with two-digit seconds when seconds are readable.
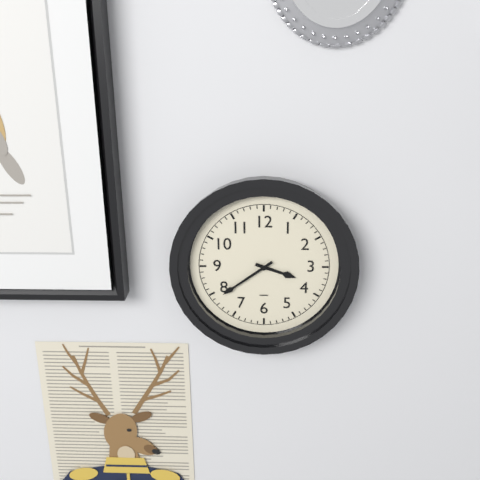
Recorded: 3,39
